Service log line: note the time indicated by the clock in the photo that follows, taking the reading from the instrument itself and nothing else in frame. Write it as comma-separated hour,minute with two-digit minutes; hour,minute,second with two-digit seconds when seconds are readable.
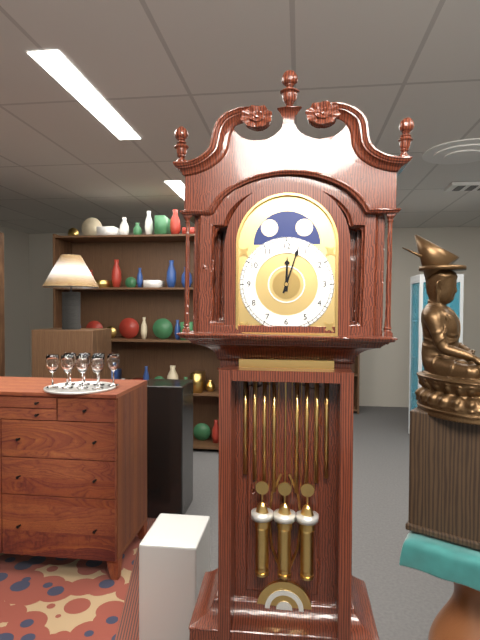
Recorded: 12,03
